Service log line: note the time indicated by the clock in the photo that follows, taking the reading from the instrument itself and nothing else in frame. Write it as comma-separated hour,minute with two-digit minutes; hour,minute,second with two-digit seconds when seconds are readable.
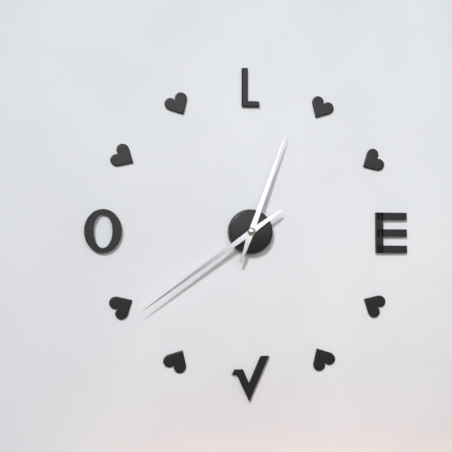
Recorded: 12,39
